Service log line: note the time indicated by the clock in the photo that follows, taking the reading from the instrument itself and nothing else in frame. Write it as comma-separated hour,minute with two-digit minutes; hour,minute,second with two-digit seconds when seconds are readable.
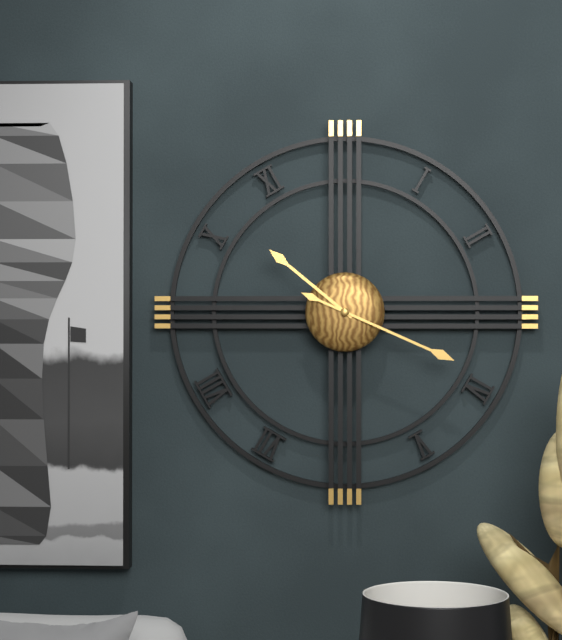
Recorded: 10,19
